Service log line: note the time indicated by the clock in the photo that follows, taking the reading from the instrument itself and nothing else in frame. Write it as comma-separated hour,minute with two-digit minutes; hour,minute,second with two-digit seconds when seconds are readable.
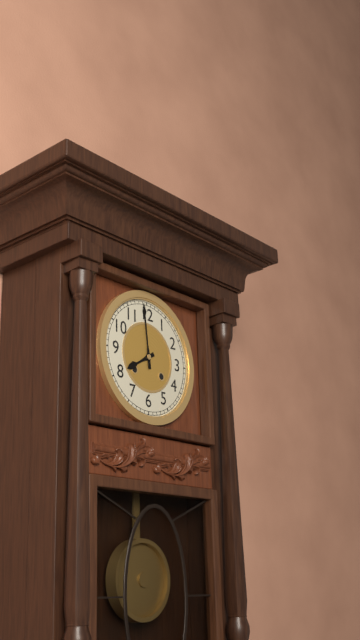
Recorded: 7,59
